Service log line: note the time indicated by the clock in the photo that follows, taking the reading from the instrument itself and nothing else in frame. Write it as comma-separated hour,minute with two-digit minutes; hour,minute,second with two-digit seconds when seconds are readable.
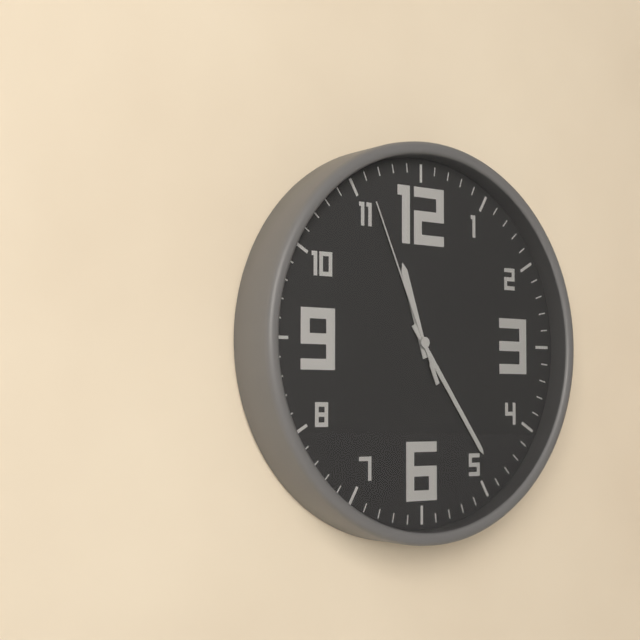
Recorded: 11,24,56
